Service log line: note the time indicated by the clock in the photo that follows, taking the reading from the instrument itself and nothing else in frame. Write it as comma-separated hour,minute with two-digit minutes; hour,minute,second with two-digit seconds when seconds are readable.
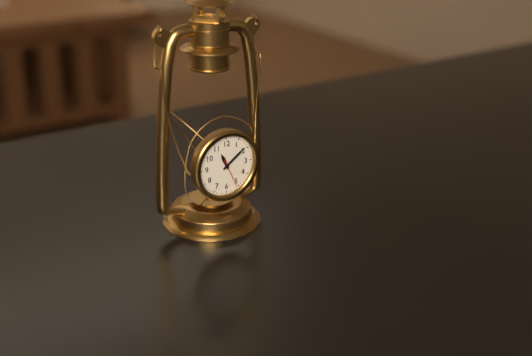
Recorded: 11,09
